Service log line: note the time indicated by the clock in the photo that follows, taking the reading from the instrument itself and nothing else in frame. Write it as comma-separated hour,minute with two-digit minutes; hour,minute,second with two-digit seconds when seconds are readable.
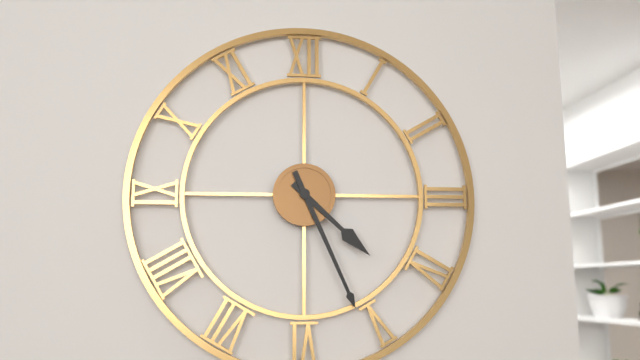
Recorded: 4,26
